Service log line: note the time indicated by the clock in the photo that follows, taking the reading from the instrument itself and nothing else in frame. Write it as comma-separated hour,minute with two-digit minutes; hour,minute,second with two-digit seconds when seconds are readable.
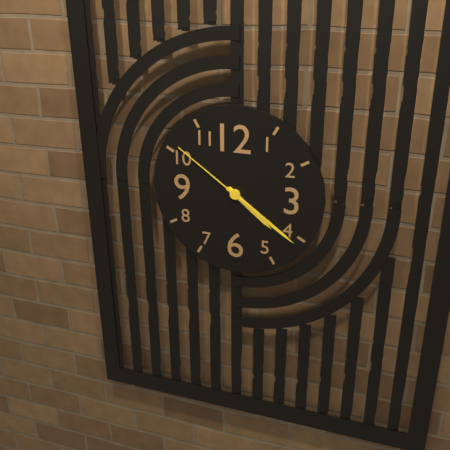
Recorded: 4,21,51
